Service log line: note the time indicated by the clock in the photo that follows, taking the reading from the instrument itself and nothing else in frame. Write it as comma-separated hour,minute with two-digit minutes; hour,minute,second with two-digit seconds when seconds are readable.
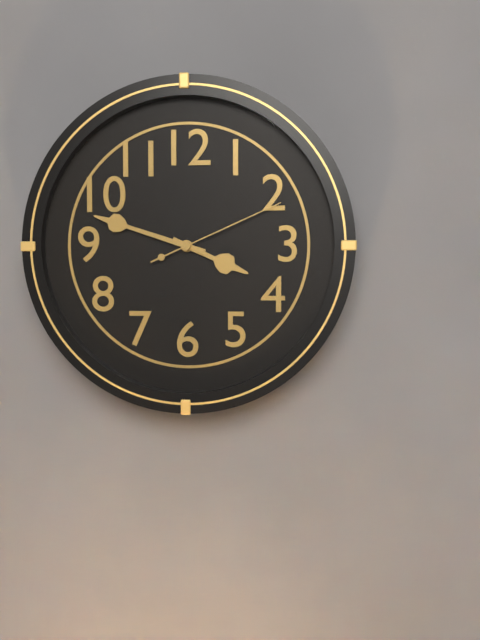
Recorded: 3,48,11
